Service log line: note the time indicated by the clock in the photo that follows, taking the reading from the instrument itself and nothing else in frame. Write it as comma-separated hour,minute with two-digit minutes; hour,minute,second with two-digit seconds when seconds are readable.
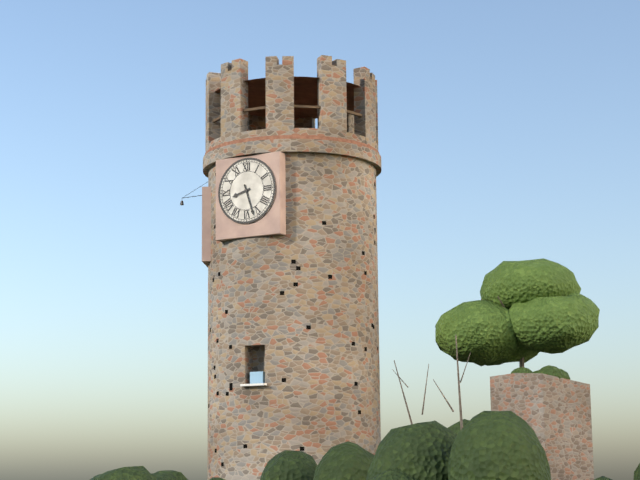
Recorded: 8,27
